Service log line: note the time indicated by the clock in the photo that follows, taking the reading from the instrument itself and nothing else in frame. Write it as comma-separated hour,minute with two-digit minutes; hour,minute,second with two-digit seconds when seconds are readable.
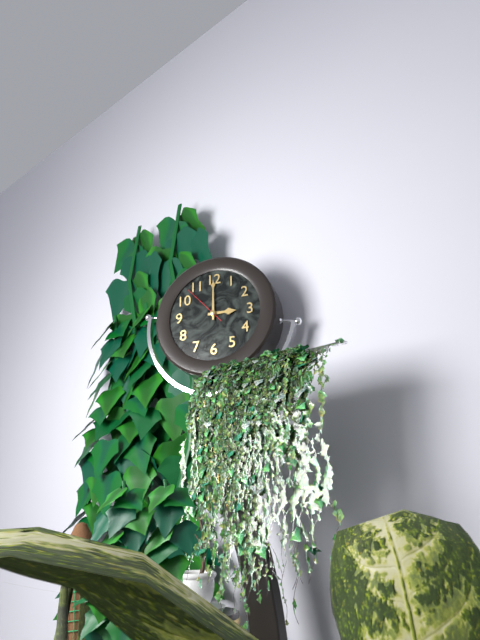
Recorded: 3,00
